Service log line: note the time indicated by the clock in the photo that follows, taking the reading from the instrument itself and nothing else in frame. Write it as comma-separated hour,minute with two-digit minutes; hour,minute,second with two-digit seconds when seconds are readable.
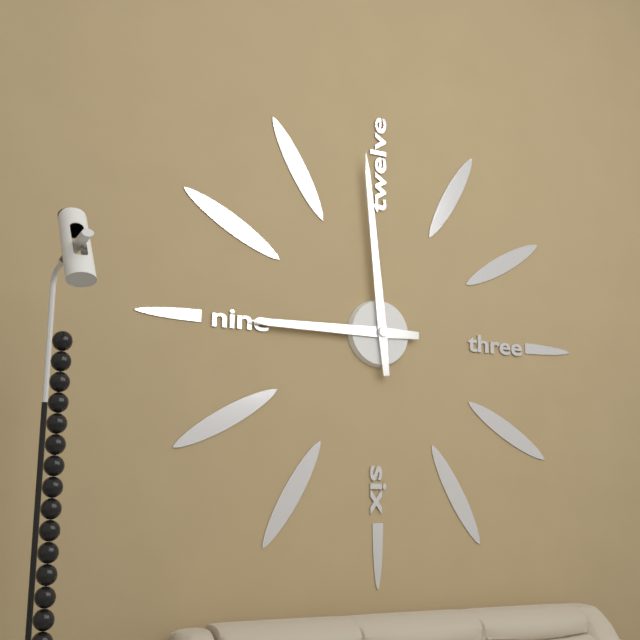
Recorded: 8,59
